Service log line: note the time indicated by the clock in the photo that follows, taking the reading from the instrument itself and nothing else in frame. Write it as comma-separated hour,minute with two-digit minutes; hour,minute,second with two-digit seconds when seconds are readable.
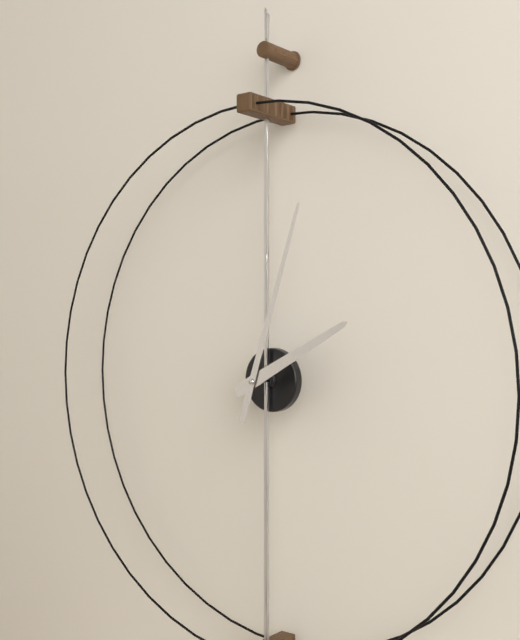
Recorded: 2,03
